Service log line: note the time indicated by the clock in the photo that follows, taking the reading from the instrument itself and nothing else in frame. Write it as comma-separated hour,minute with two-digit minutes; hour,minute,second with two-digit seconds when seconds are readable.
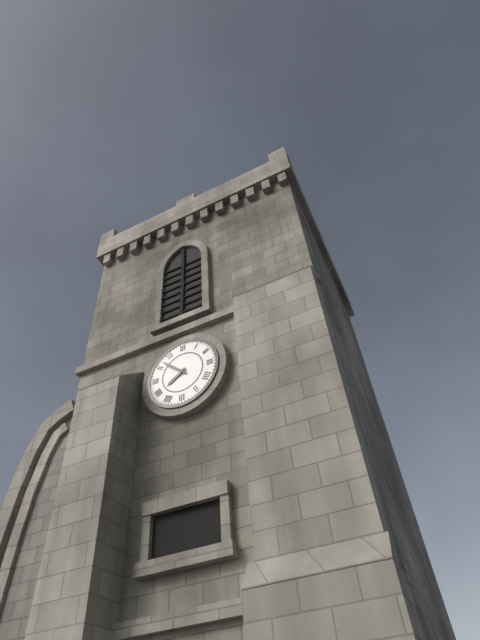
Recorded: 7,52
